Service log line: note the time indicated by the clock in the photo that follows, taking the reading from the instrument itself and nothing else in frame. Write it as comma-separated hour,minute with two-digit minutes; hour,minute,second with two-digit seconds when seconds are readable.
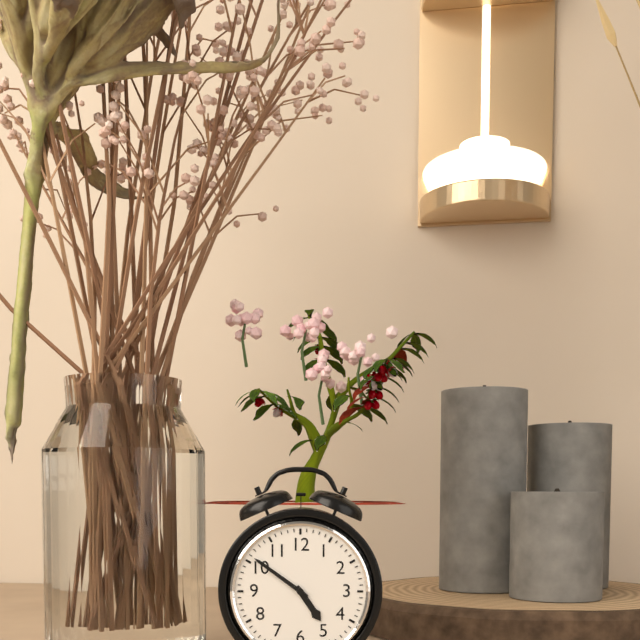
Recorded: 4,51
